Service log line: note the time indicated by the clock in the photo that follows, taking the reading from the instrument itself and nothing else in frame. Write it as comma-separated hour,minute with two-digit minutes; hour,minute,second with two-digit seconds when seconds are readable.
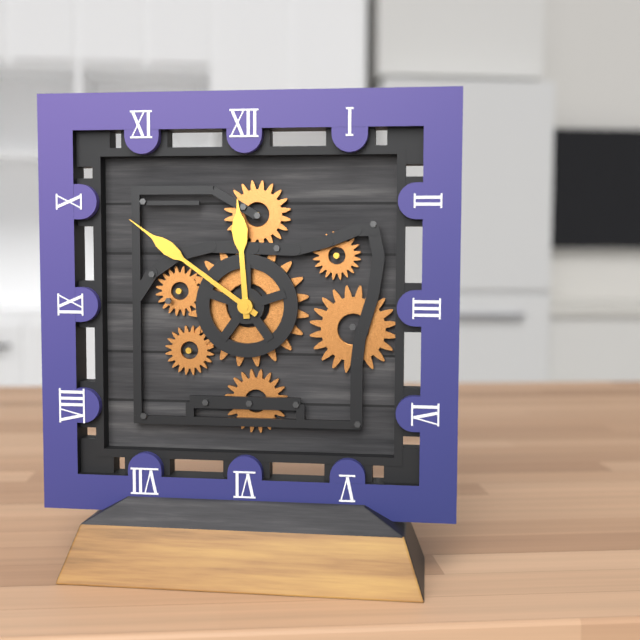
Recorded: 11,51
